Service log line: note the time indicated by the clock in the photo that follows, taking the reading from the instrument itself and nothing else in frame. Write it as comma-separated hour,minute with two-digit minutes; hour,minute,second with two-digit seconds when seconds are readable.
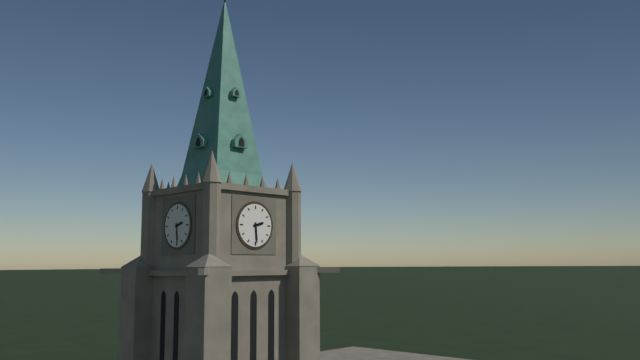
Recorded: 2,29
